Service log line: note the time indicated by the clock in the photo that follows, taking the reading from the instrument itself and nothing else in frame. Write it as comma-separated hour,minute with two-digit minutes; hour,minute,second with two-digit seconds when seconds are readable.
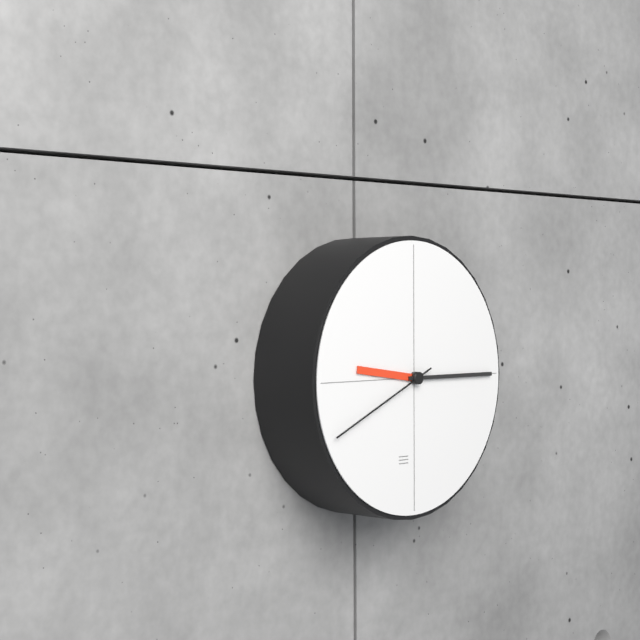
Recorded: 9,15,41
